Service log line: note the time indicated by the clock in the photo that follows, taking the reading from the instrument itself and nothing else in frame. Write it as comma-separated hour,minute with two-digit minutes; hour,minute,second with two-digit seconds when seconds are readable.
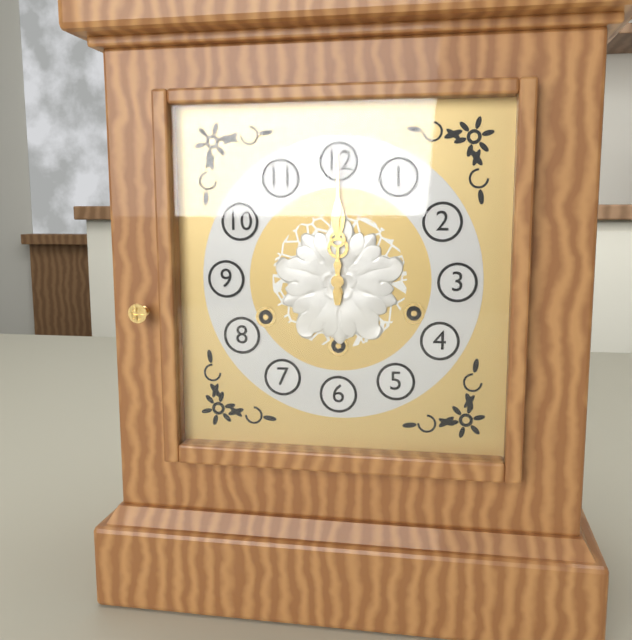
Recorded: 12,00
